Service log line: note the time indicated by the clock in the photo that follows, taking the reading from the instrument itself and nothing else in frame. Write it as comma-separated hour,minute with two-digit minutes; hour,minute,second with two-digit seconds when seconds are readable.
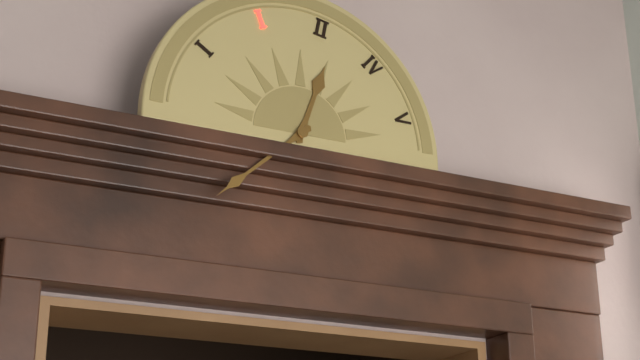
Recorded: 12,38
